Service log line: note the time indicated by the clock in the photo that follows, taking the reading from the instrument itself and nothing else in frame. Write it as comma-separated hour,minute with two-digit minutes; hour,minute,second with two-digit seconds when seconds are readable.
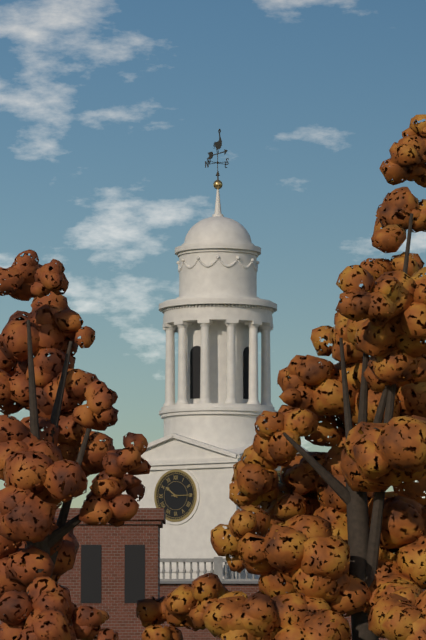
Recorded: 10,15
